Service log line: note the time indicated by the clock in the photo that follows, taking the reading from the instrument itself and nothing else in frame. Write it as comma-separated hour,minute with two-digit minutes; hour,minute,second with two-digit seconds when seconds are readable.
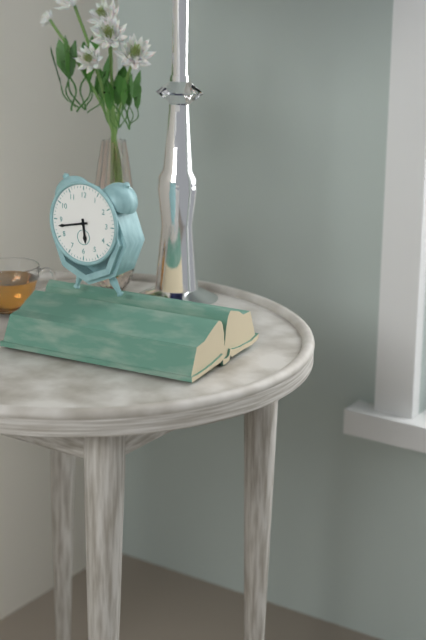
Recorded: 5,43
